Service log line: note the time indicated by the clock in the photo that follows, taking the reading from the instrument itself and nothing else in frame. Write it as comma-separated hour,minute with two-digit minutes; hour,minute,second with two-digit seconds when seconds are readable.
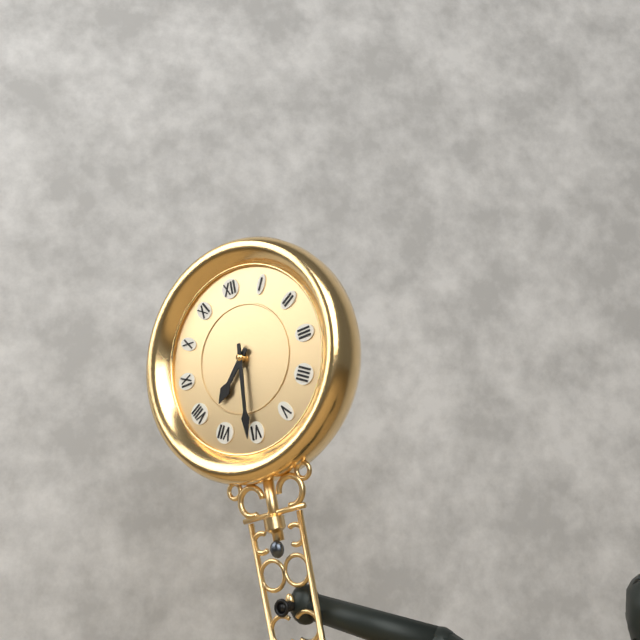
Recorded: 7,31
